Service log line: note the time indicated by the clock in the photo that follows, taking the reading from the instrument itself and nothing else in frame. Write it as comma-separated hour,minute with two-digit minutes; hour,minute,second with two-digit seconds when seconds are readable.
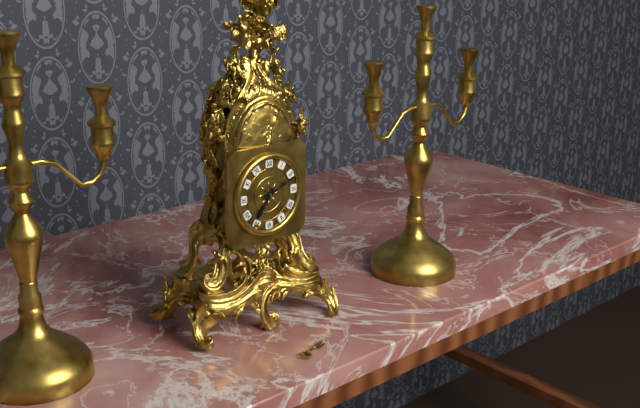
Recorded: 7,11
